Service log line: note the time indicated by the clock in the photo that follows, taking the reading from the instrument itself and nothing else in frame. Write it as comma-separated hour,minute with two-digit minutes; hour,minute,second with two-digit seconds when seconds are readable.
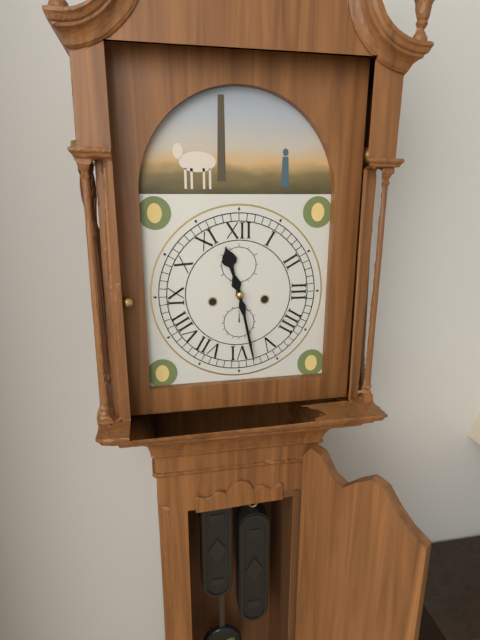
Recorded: 11,28
